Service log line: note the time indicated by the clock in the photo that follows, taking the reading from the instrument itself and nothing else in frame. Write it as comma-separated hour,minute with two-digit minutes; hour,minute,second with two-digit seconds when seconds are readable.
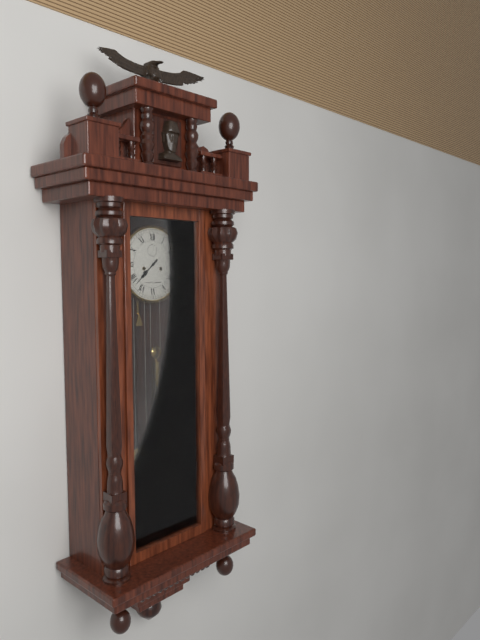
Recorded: 7,38
